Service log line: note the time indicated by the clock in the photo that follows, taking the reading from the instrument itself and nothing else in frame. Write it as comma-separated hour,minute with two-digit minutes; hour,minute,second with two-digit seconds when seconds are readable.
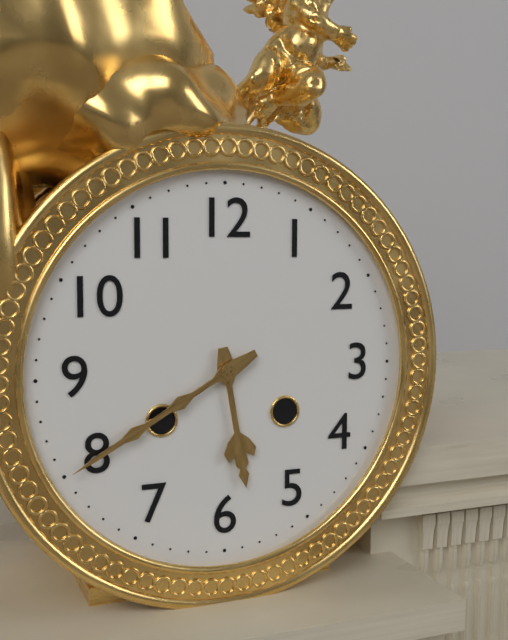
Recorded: 5,40
